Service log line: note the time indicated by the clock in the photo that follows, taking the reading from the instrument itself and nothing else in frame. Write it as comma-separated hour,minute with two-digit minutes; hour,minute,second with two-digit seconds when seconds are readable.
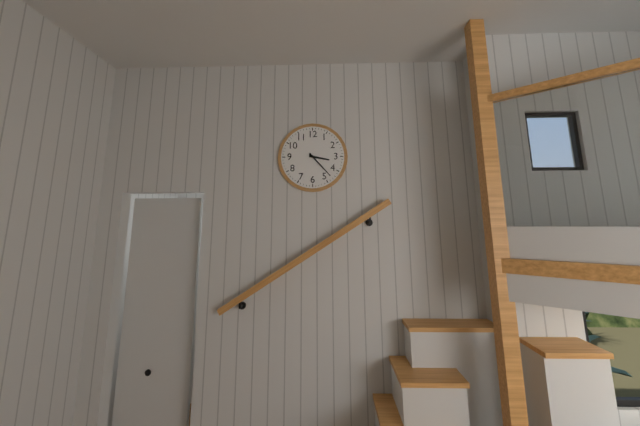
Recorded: 3,23
